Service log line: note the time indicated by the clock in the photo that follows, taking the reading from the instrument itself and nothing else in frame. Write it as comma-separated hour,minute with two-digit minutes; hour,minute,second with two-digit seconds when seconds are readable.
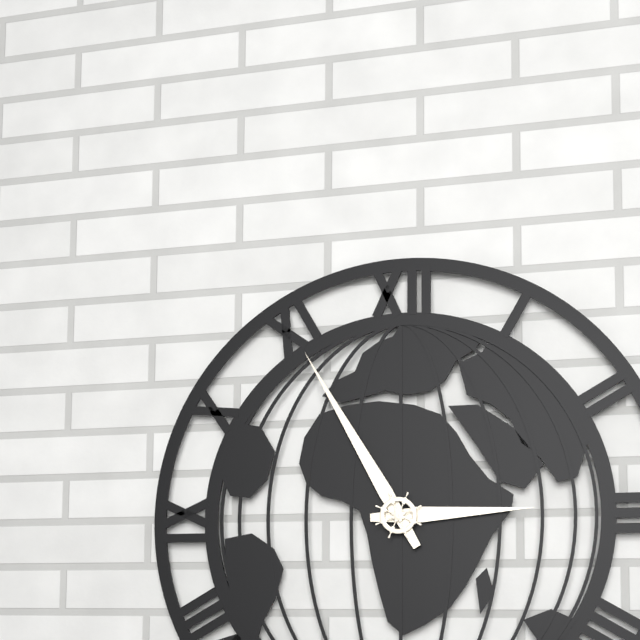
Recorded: 2,55
